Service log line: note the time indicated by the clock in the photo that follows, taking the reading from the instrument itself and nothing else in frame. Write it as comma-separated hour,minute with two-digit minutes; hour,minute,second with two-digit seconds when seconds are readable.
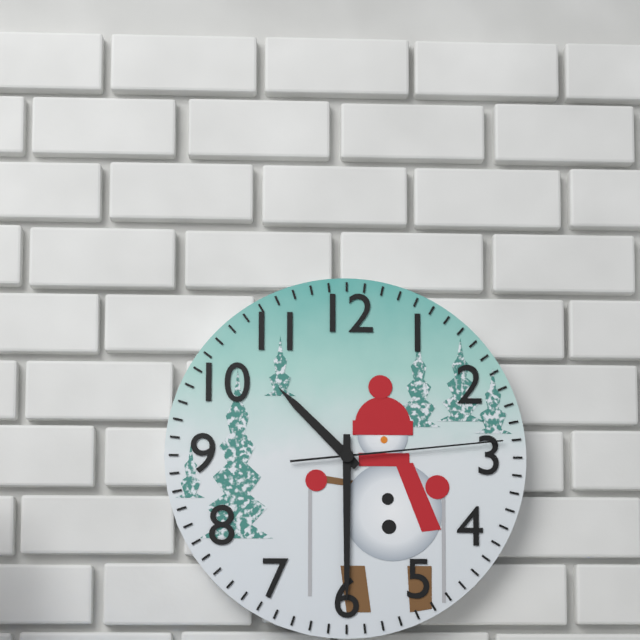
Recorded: 10,30,14
